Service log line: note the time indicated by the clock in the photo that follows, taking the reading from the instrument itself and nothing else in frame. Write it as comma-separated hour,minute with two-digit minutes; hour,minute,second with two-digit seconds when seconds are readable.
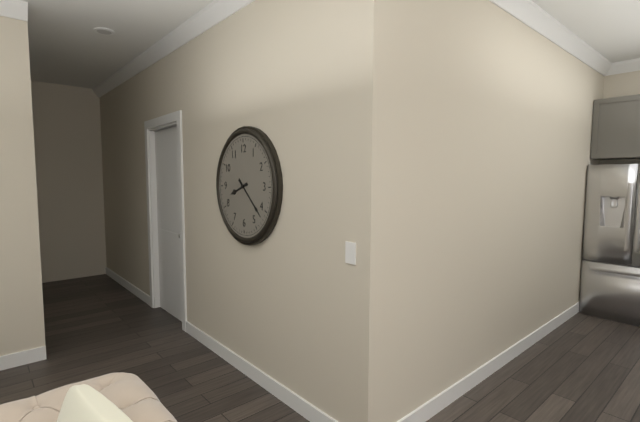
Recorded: 8,22
